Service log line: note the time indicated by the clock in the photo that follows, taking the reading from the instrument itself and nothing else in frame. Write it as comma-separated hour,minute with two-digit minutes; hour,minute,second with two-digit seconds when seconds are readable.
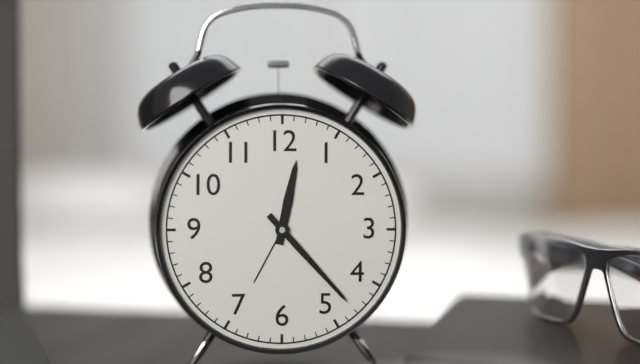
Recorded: 12,23
